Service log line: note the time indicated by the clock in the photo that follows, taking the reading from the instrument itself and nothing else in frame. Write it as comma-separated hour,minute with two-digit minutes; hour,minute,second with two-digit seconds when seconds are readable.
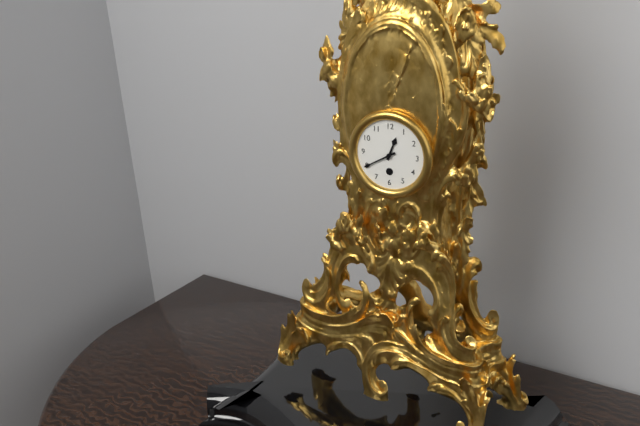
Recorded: 12,40
